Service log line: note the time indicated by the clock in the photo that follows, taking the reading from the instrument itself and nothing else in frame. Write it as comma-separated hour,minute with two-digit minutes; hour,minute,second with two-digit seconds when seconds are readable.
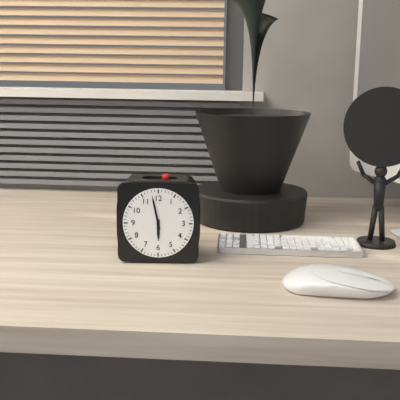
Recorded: 5,58
